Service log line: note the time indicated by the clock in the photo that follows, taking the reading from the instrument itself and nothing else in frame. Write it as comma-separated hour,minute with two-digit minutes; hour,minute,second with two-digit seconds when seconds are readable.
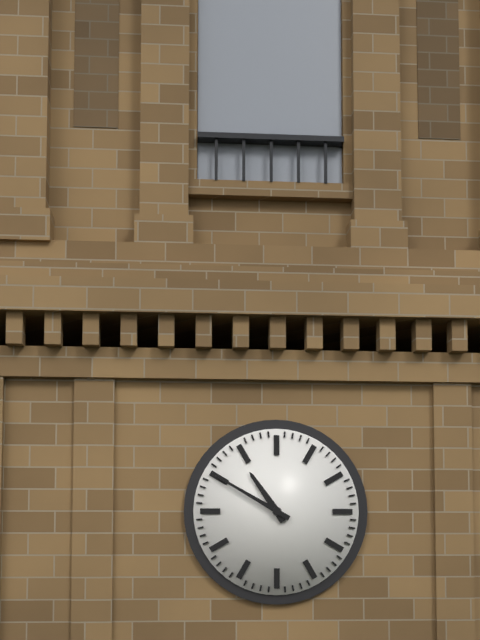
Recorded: 10,50
